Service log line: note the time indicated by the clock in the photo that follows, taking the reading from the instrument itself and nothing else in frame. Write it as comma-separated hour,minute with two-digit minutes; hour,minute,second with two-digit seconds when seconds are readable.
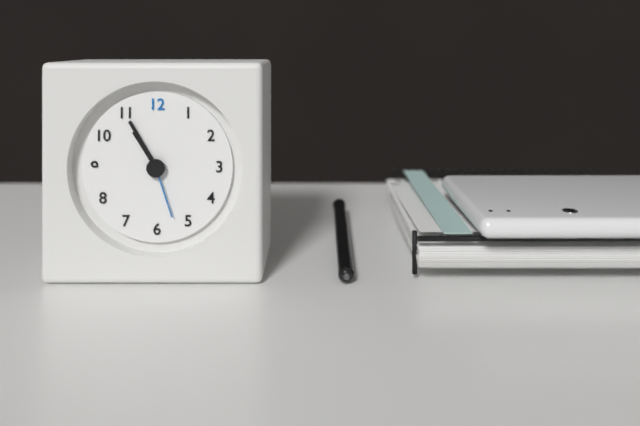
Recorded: 10,55,27
